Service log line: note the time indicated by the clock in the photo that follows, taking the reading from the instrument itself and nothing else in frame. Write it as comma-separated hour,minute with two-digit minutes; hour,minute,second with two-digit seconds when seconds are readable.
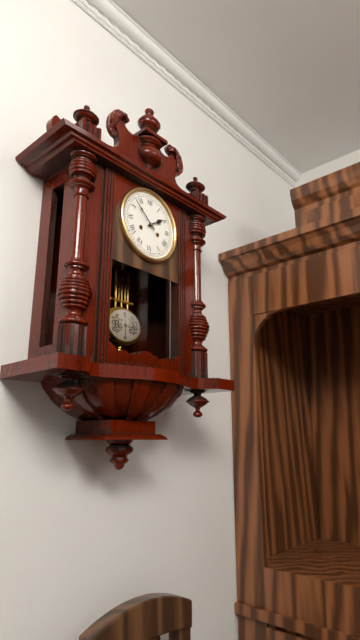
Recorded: 1,52
